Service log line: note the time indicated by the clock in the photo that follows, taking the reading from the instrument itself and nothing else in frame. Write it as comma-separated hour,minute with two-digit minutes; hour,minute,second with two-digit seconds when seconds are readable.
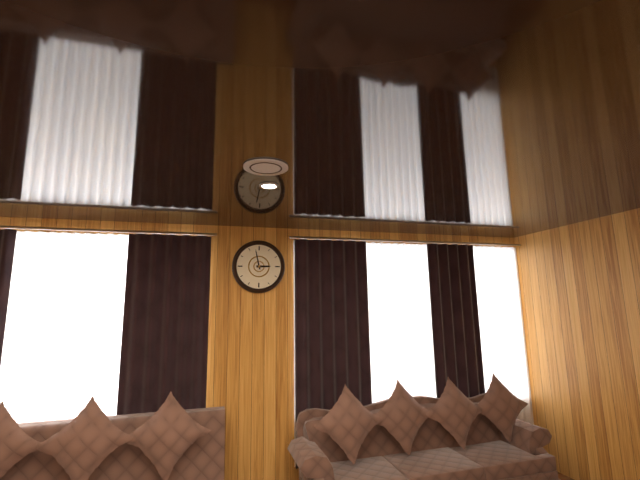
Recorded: 2,58
